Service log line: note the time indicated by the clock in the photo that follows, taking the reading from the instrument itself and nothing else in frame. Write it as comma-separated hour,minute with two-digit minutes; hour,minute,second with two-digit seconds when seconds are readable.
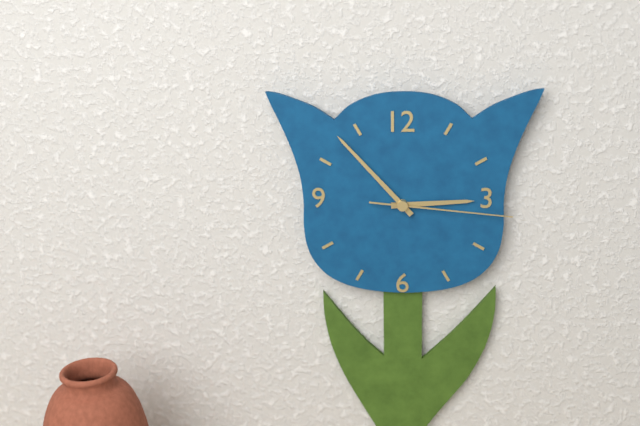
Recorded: 2,53,16
